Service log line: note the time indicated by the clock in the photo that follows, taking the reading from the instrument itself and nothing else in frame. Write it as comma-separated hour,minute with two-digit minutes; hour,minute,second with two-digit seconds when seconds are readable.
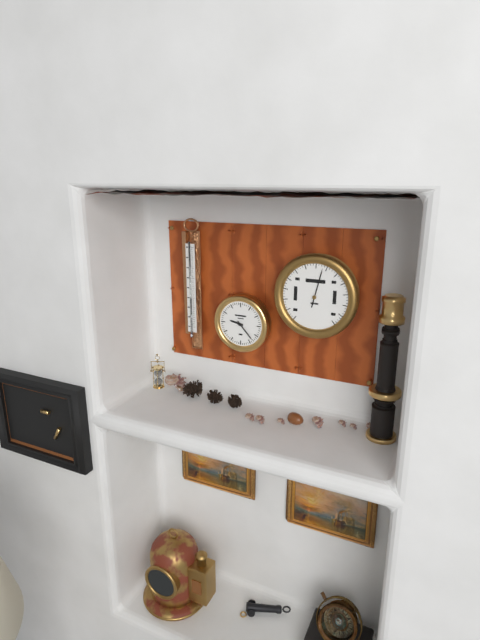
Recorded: 9,23
